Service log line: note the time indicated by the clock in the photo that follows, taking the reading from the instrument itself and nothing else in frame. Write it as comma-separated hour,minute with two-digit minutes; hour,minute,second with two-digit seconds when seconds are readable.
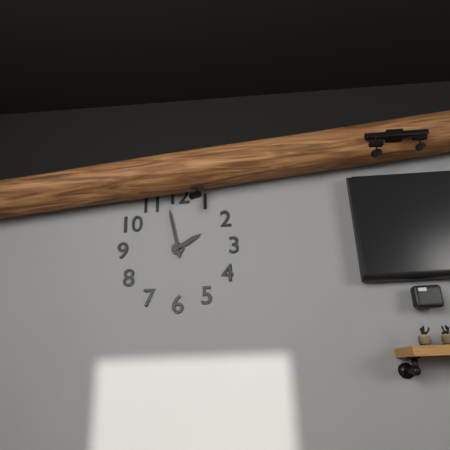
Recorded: 1,58
